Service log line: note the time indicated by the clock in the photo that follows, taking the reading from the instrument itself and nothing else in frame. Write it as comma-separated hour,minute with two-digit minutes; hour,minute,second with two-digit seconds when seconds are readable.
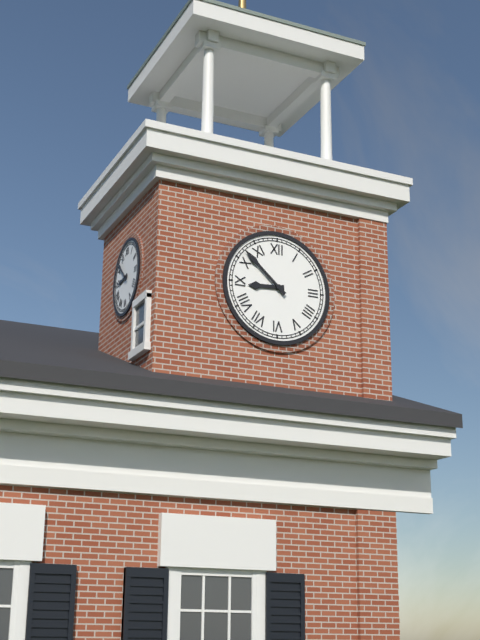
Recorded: 8,52
